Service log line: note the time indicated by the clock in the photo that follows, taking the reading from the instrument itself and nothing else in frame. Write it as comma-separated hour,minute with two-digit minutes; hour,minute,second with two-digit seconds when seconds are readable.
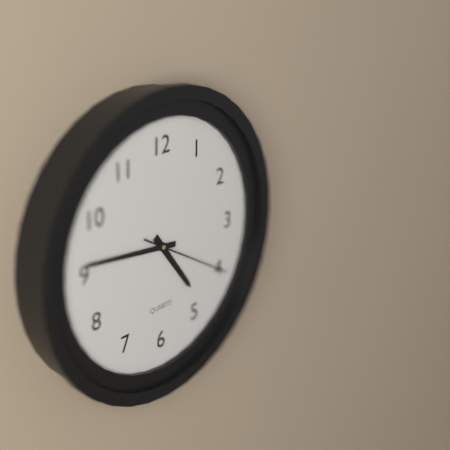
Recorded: 4,46,20
